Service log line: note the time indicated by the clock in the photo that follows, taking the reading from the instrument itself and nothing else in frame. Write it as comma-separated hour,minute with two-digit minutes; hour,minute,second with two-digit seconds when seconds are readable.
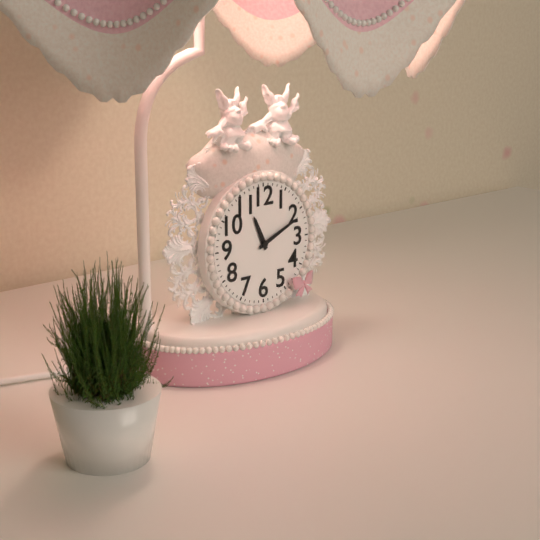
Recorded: 11,11
